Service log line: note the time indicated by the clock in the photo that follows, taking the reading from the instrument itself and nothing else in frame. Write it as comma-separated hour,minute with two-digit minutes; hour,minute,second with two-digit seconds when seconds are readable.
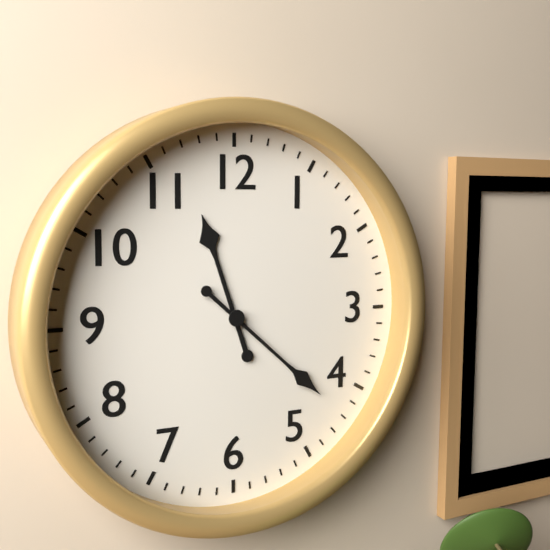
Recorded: 11,22
